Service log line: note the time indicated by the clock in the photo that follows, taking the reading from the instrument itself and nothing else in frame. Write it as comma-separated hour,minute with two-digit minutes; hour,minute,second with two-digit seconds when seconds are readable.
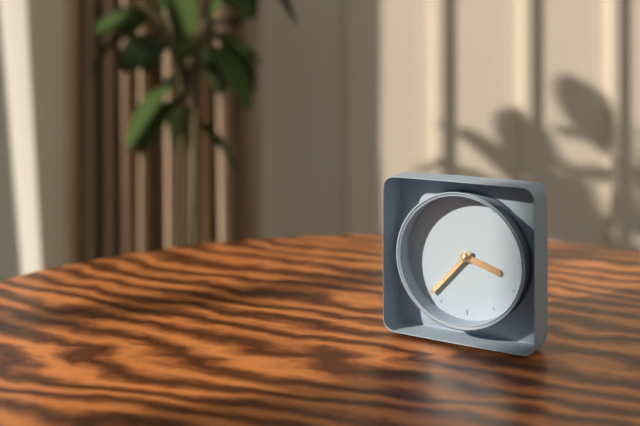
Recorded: 3,37
